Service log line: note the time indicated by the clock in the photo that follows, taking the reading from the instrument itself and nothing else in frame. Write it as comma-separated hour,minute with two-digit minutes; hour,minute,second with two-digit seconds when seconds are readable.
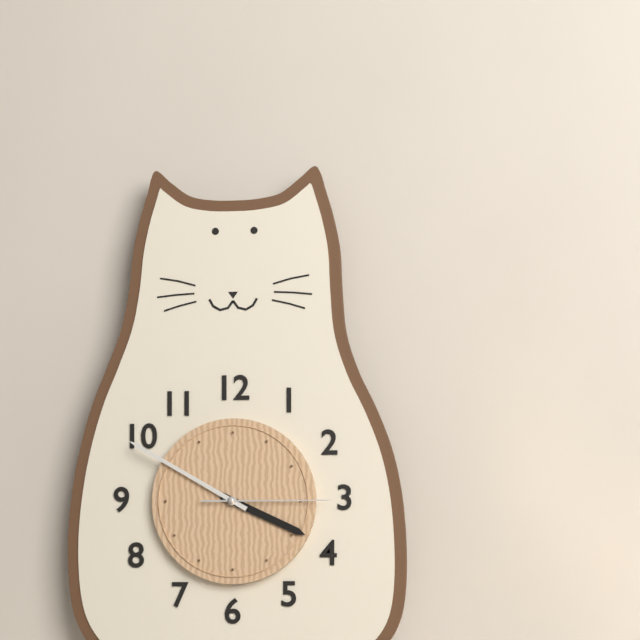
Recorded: 3,50,15
